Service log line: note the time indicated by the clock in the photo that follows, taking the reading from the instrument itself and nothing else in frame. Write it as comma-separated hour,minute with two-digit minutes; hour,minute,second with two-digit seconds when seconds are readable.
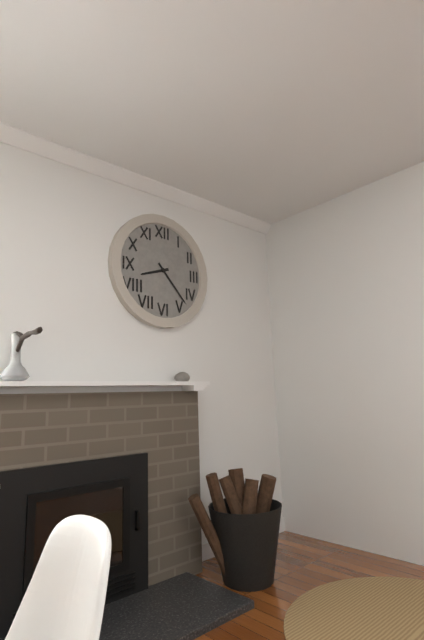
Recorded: 8,23
